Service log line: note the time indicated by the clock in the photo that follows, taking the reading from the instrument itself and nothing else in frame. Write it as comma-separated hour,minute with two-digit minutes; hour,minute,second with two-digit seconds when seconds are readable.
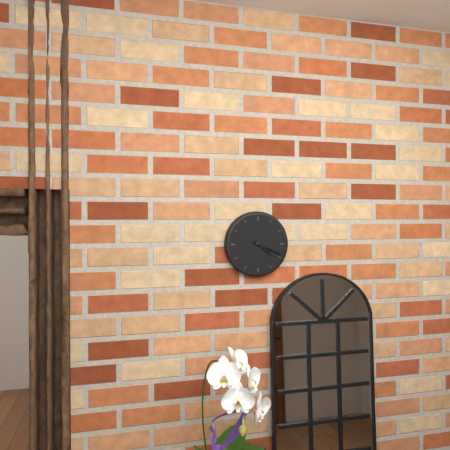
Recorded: 4,19
